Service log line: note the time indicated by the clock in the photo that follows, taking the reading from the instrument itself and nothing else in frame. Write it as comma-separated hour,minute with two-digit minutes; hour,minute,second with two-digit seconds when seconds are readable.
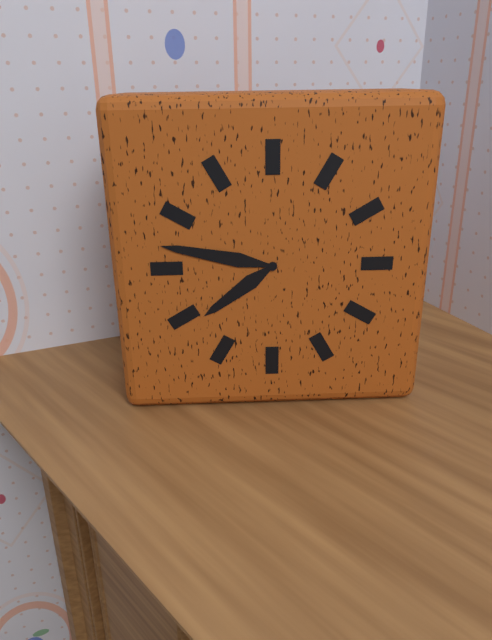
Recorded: 7,47
